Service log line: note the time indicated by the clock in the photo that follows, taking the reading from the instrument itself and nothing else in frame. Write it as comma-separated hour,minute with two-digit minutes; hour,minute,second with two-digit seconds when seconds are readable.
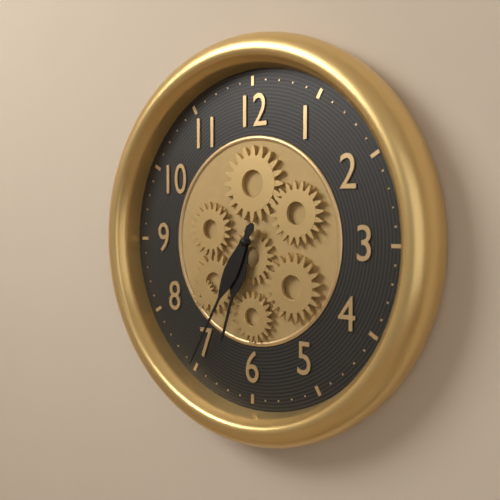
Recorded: 6,35
